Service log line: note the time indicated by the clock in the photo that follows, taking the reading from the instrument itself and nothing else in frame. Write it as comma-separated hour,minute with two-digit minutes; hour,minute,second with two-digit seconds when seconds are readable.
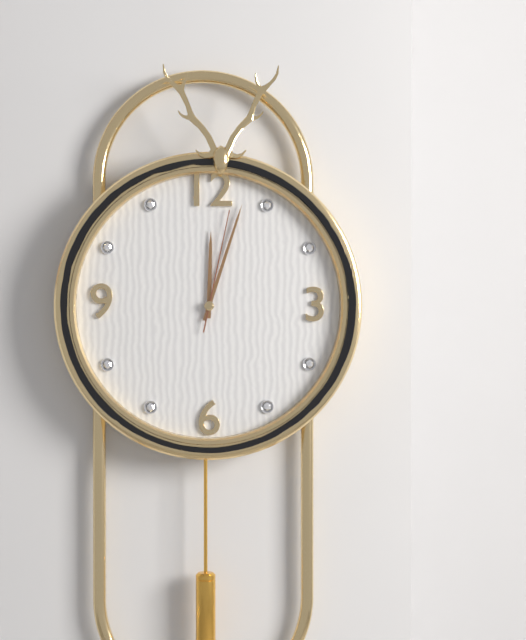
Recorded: 12,03,02
